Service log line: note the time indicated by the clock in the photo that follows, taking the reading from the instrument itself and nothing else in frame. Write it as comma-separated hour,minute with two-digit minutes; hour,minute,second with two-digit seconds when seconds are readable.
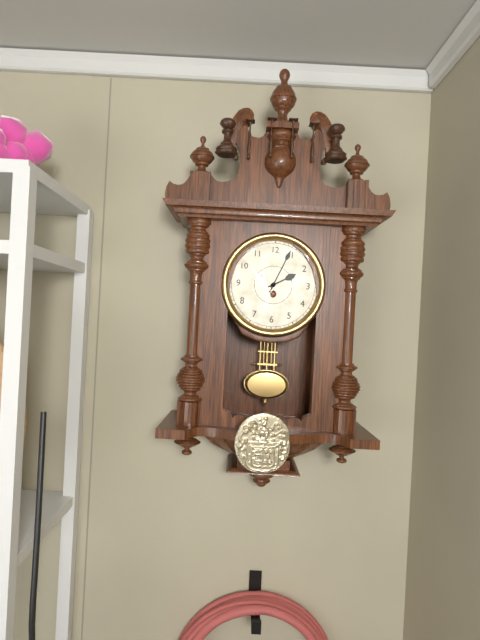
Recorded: 2,04
